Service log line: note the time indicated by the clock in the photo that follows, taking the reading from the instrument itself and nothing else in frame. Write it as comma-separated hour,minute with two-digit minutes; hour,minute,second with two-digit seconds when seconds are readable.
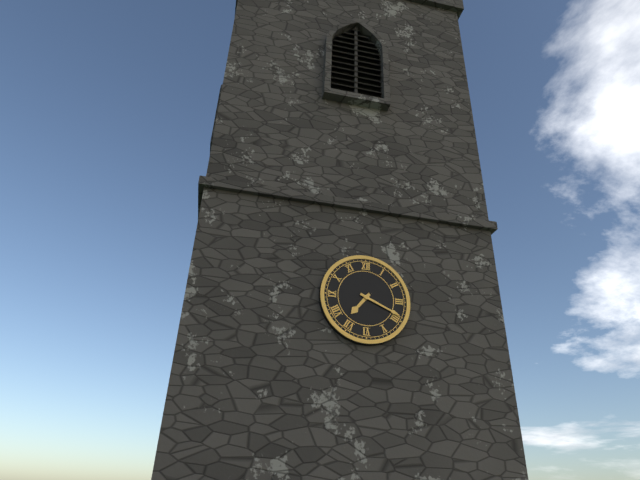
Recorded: 7,19
